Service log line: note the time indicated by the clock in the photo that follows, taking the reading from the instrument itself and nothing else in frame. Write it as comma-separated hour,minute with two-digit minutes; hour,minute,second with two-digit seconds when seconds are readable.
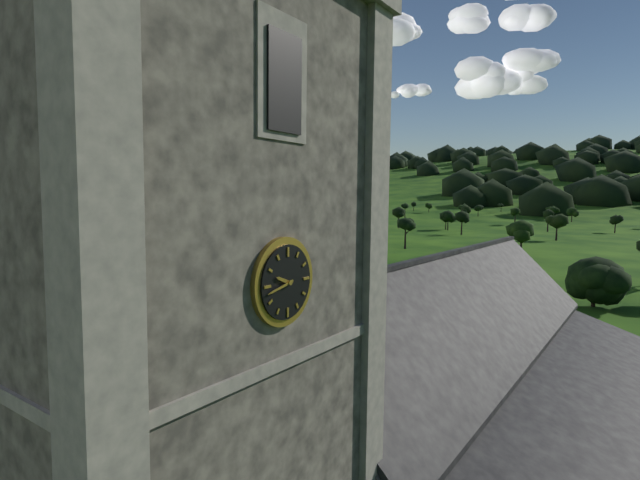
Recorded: 9,43
